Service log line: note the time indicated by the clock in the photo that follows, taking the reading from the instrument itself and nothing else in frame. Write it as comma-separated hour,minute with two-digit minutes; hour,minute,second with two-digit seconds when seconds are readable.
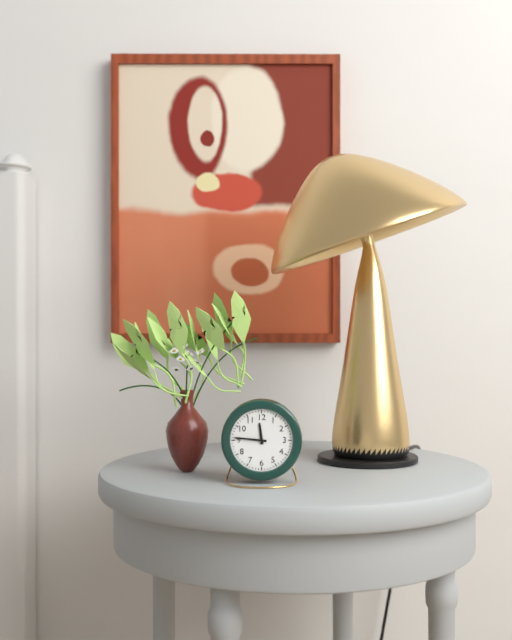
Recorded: 11,46
